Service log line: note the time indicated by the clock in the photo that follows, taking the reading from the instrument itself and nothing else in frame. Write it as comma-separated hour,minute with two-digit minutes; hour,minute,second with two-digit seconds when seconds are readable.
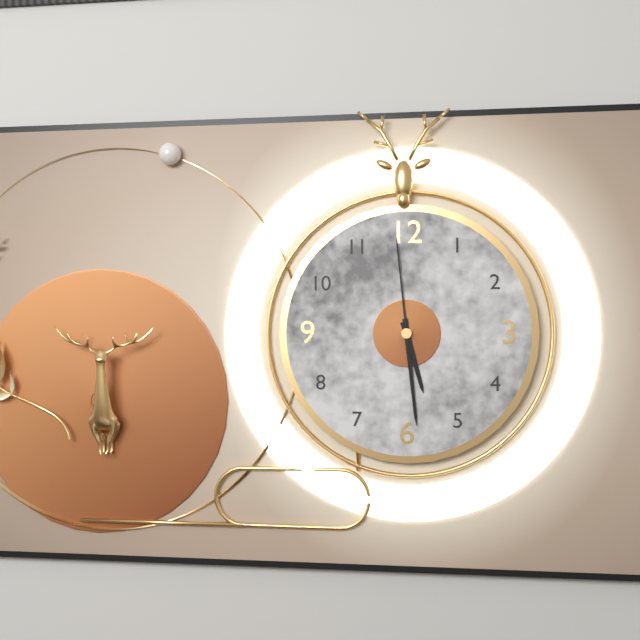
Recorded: 5,29,59
